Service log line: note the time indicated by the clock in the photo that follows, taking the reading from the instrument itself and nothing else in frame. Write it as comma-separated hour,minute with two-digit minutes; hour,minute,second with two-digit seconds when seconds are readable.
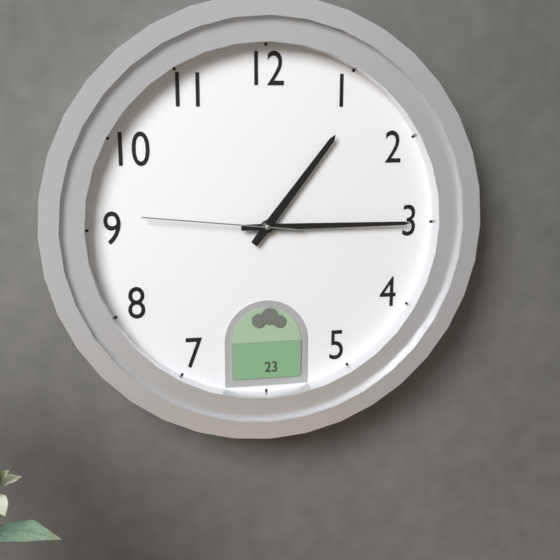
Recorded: 1,15,46
